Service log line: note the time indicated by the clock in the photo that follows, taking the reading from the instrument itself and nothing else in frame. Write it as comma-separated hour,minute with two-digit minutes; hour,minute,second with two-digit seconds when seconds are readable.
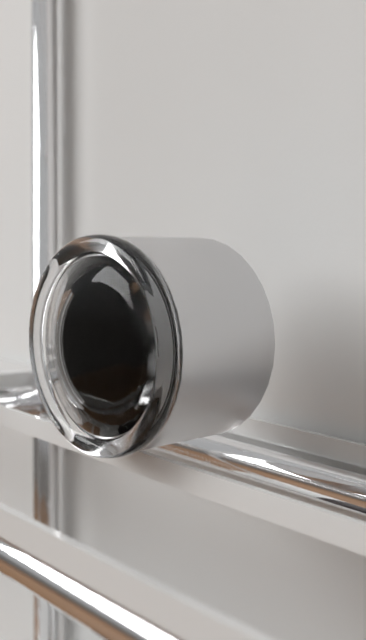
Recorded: 12,48,00
